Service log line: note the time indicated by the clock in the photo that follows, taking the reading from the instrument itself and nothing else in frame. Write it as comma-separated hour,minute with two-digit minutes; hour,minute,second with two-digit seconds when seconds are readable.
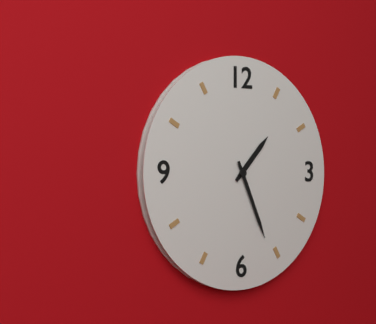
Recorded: 1,26
